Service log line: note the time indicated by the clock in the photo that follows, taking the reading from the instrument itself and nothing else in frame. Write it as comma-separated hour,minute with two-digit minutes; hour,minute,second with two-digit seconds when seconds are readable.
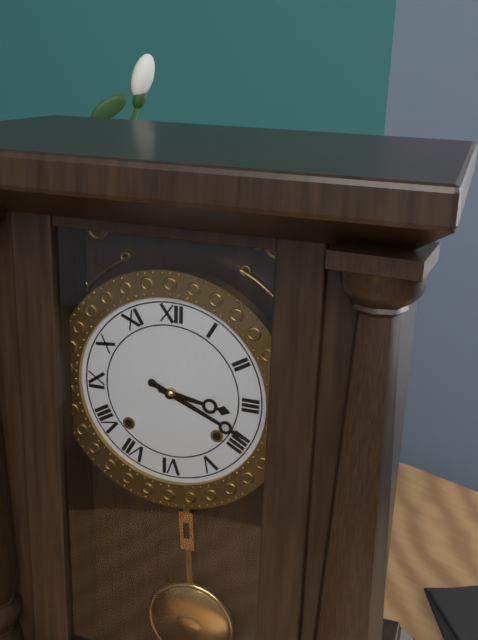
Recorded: 3,19
